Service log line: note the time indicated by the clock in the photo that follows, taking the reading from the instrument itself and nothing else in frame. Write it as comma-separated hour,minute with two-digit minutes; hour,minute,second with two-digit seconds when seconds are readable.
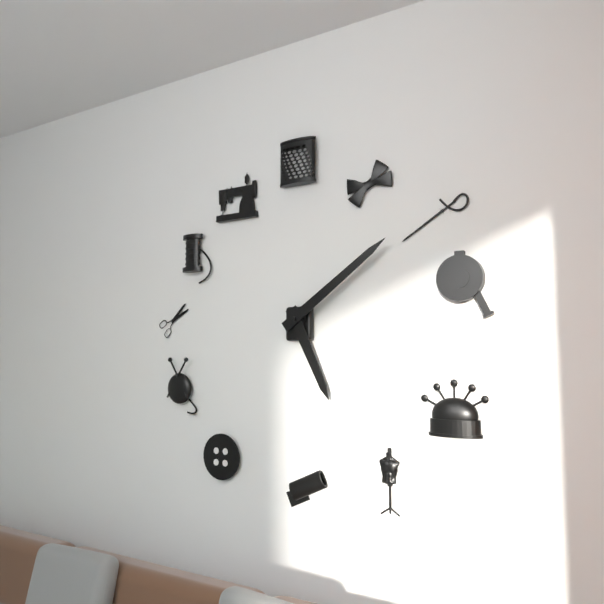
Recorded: 5,09
